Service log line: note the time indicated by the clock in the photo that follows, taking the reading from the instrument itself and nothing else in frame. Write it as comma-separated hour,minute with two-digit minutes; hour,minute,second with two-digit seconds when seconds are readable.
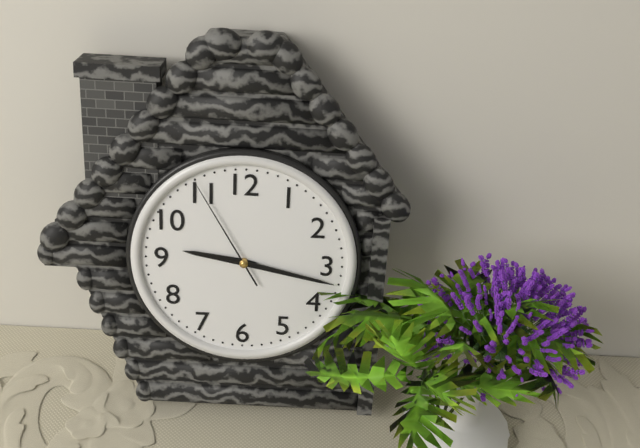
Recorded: 9,17,55
